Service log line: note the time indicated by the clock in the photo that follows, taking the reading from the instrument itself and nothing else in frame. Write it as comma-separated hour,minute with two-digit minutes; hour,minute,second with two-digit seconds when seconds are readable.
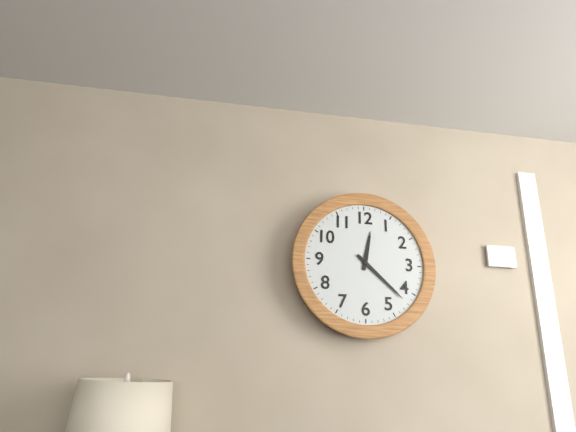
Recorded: 12,22
